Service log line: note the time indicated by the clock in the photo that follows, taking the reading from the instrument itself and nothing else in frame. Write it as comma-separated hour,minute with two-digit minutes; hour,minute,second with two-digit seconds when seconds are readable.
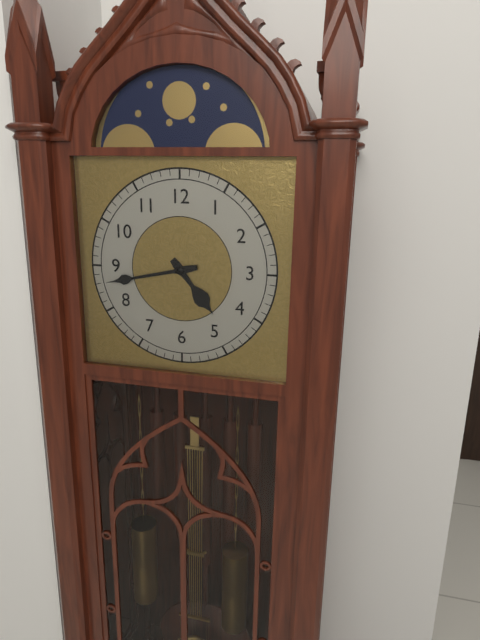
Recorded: 4,43
